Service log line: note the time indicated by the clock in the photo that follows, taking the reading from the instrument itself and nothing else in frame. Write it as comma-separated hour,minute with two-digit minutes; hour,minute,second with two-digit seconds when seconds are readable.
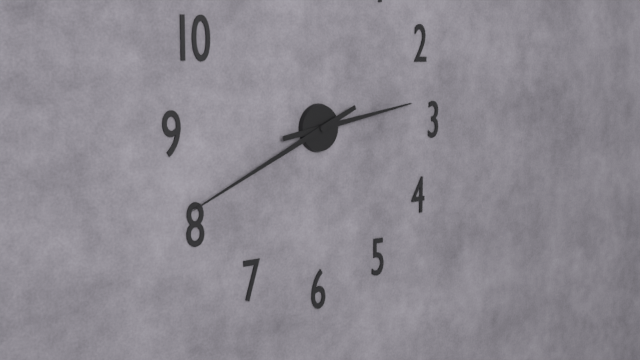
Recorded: 2,41
